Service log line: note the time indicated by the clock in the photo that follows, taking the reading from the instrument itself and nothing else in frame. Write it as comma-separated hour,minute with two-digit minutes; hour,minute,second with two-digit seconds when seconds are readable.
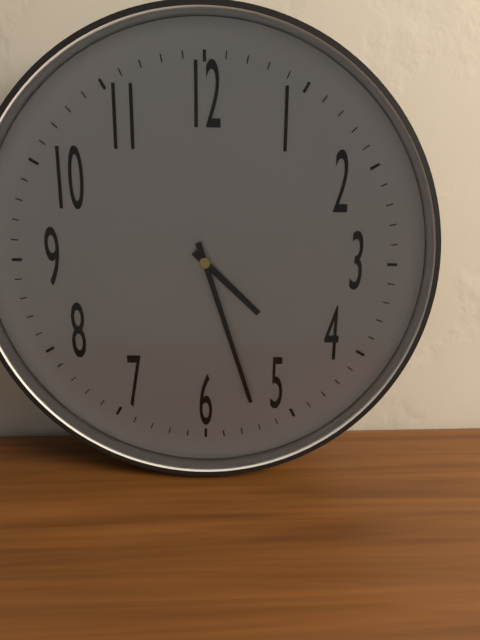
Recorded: 4,27
